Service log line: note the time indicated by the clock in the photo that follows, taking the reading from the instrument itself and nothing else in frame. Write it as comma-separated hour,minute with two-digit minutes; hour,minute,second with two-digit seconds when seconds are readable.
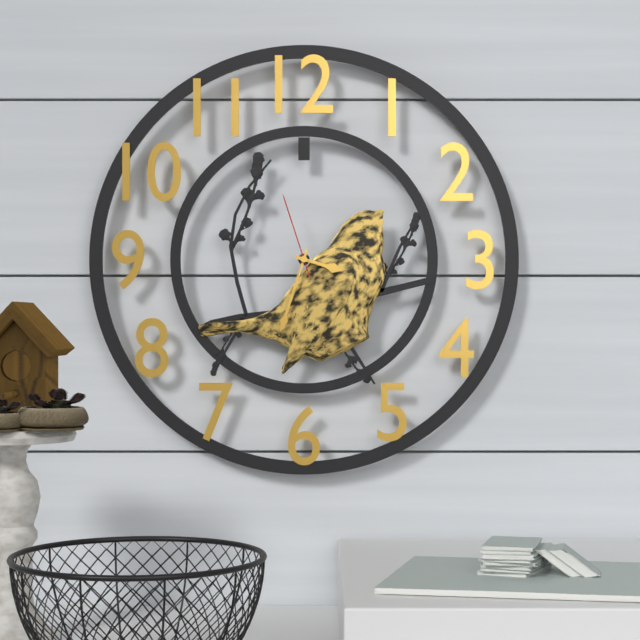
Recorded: 3,33,57
